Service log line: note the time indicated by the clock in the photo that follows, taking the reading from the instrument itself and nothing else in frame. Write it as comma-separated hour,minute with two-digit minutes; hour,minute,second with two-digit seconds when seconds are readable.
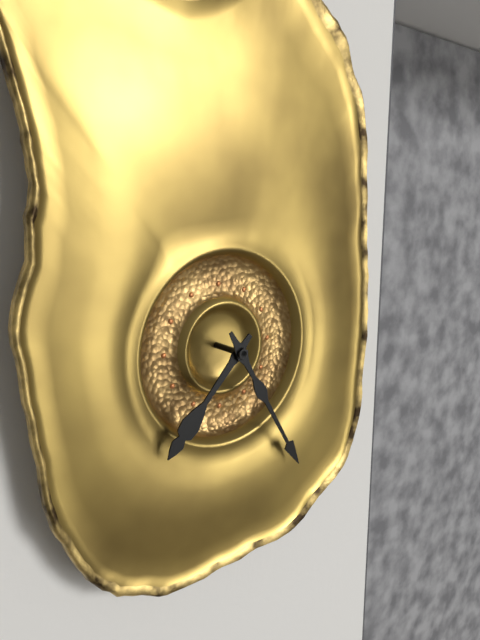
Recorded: 7,25
